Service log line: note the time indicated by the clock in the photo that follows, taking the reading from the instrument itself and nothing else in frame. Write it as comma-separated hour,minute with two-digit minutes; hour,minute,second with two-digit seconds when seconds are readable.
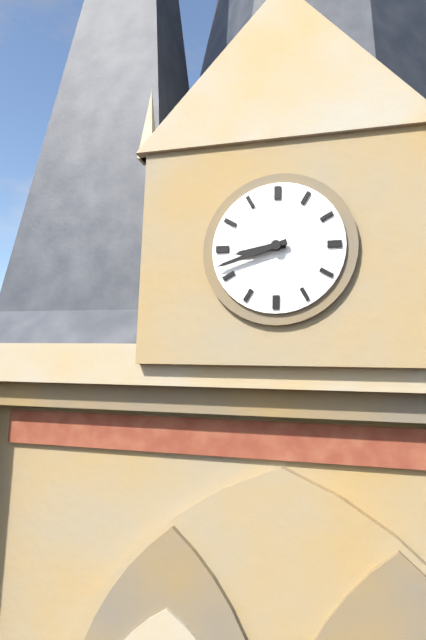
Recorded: 8,42
